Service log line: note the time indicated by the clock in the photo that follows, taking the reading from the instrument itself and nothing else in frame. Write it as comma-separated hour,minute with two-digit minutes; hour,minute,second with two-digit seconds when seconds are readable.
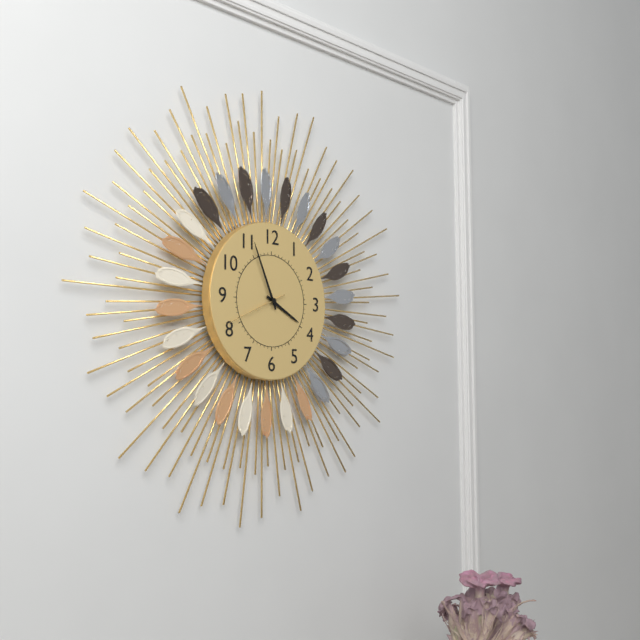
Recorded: 3,56,41
